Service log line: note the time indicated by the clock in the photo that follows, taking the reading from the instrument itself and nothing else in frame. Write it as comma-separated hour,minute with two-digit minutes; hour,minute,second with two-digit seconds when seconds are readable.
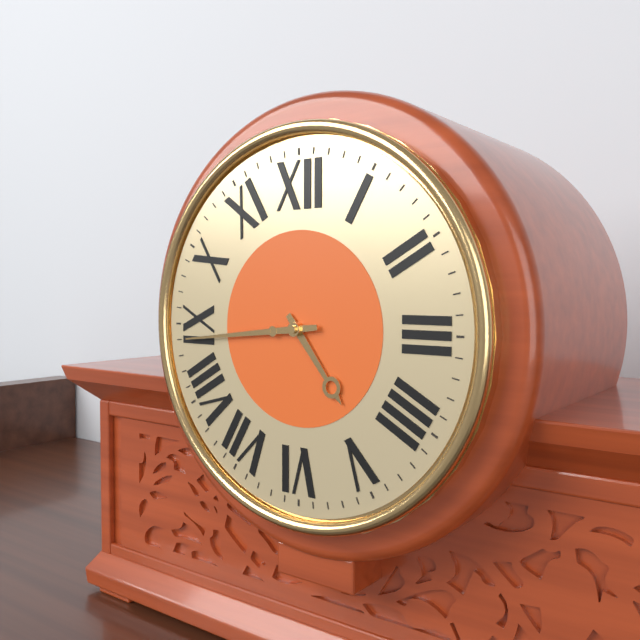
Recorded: 4,44
